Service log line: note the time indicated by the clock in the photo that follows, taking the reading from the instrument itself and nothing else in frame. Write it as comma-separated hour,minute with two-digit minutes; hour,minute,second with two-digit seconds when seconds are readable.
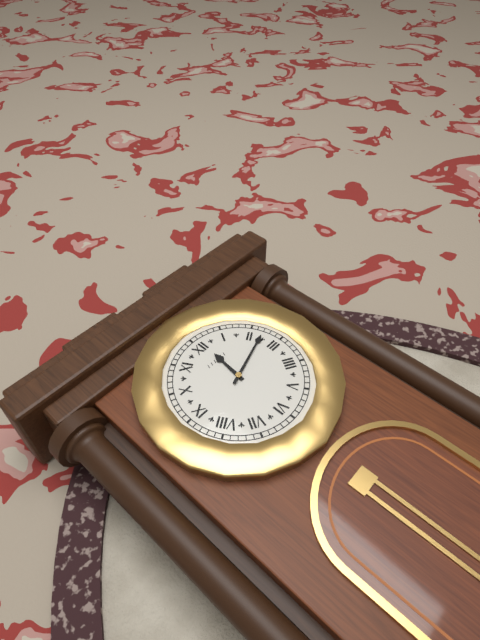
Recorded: 12,12
